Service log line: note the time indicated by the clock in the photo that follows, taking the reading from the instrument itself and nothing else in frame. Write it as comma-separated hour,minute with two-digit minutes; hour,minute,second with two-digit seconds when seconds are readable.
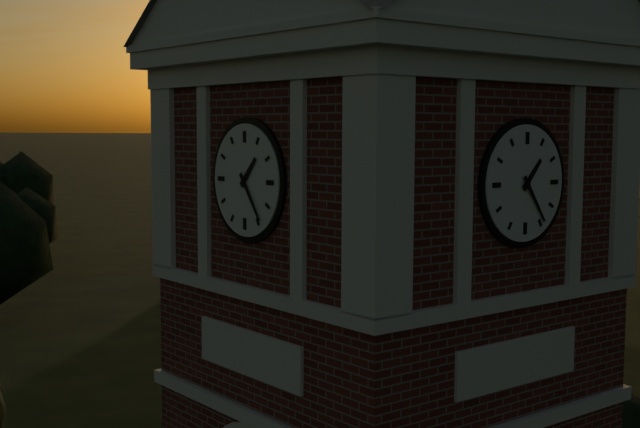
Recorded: 1,24
